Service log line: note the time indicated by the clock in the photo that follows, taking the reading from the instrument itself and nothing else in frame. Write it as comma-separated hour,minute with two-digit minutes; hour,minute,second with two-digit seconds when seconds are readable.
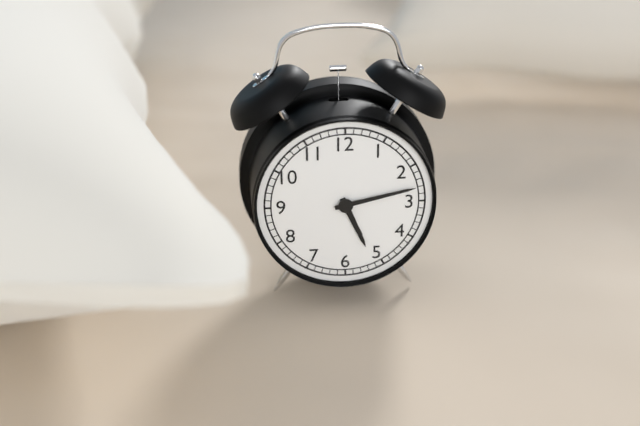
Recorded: 5,13
